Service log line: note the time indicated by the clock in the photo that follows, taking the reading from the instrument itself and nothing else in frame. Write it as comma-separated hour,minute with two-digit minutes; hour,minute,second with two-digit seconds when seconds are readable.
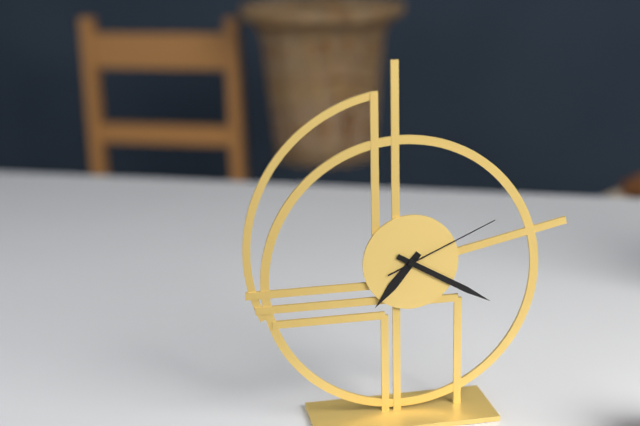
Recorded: 7,20,11
